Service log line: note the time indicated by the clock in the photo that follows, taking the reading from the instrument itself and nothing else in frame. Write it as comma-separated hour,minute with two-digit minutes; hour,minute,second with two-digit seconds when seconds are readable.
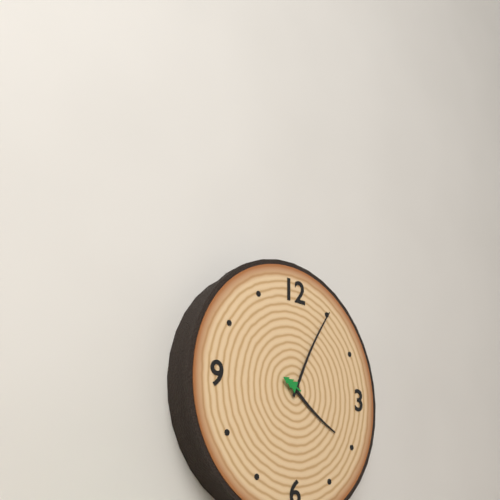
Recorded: 4,05
